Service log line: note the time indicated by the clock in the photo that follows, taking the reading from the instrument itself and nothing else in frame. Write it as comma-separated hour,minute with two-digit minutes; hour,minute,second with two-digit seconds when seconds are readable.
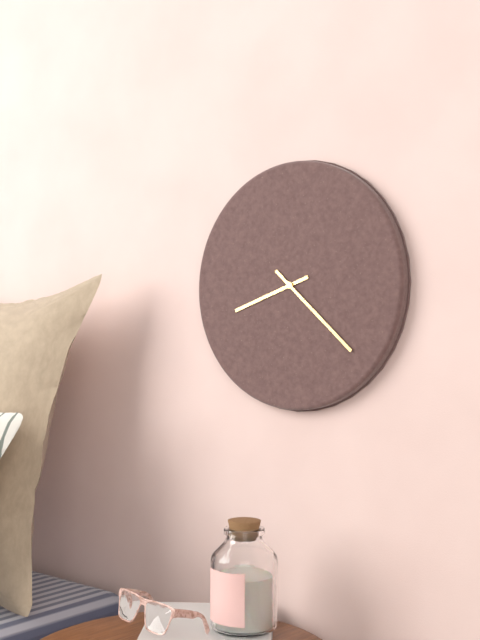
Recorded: 8,22
